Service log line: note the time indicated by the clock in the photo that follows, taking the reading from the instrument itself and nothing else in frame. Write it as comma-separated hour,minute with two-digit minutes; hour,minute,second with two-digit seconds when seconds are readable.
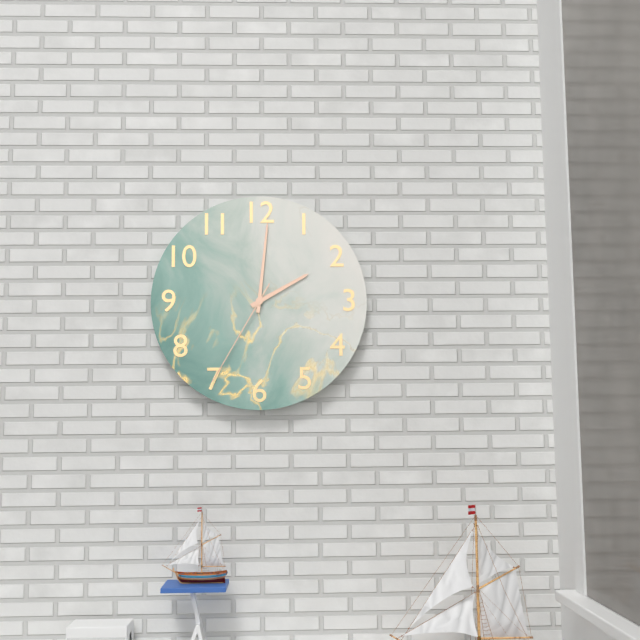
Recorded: 2,01,35
